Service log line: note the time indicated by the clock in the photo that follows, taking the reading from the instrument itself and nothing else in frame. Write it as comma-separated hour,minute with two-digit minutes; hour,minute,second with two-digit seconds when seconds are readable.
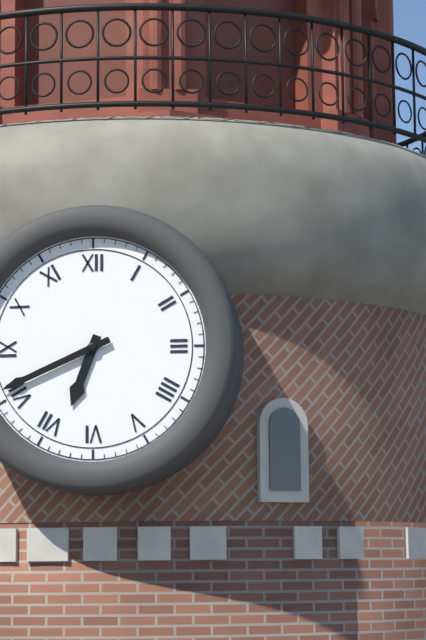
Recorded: 6,41
